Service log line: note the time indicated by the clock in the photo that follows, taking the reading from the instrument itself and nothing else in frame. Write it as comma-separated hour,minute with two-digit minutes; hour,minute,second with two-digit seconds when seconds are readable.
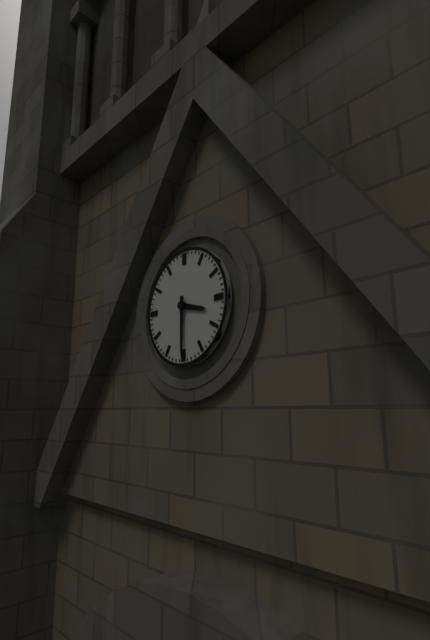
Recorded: 3,30
